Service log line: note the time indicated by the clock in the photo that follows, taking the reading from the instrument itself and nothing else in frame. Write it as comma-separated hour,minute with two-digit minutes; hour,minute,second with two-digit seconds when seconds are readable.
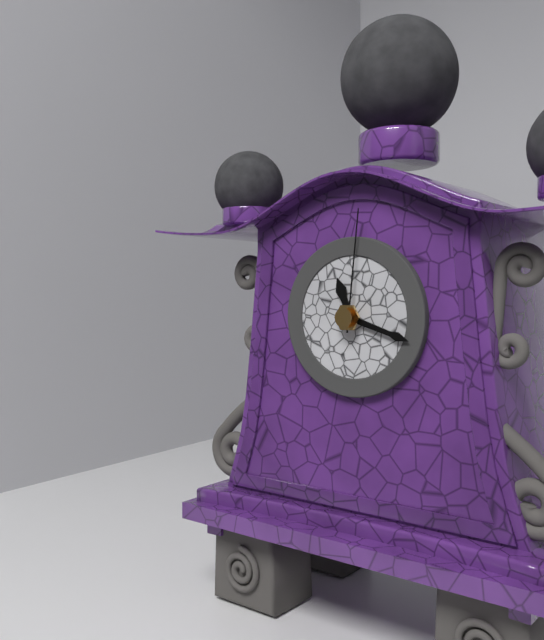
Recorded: 11,18,01
